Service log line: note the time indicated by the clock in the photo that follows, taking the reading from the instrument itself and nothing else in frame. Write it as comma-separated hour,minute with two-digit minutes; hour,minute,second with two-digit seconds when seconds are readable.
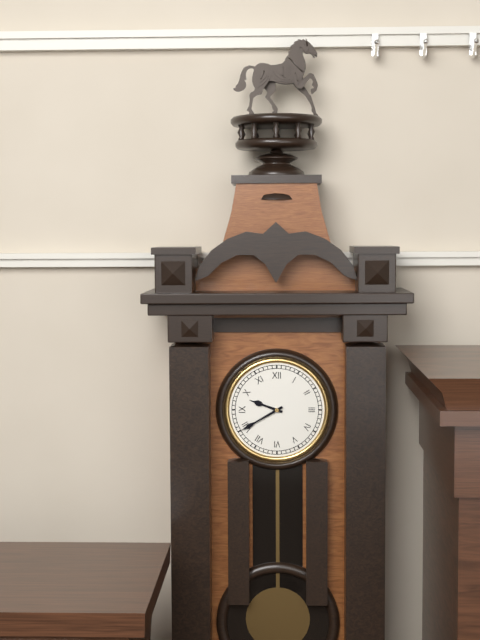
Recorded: 9,40
